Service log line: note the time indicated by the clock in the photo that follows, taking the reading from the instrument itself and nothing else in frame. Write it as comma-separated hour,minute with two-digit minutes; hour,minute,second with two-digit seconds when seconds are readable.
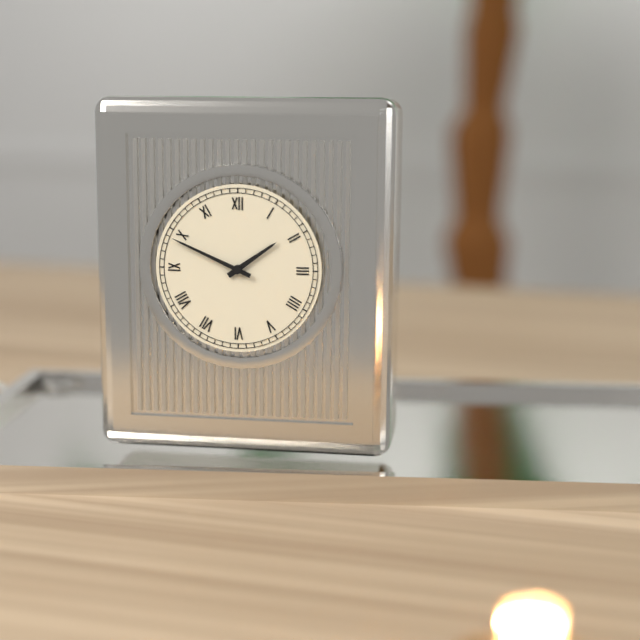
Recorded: 1,49
